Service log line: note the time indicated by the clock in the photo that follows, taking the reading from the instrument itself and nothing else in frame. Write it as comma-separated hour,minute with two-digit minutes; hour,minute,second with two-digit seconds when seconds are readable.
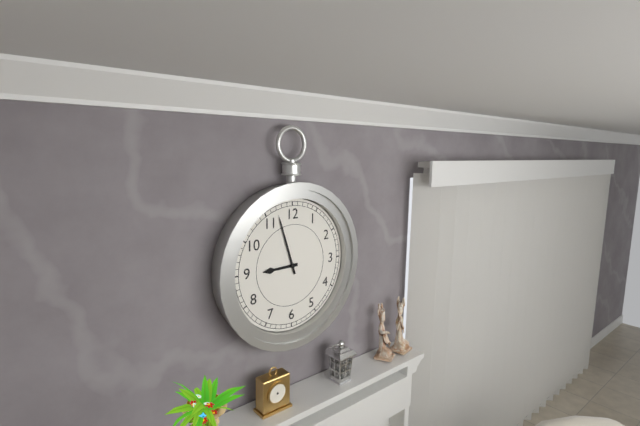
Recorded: 8,57
